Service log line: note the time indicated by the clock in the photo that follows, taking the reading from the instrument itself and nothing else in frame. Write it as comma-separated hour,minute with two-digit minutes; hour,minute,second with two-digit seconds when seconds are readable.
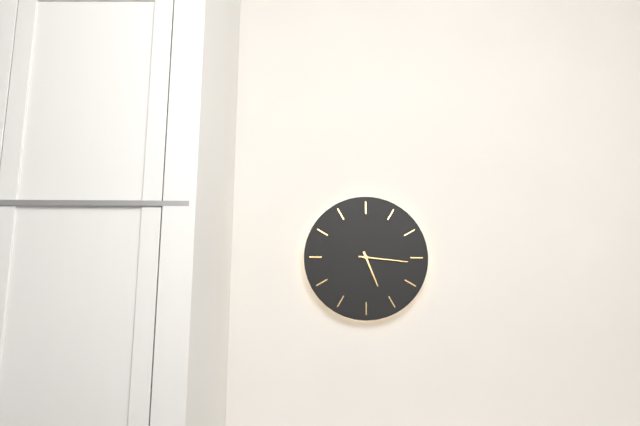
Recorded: 5,16
